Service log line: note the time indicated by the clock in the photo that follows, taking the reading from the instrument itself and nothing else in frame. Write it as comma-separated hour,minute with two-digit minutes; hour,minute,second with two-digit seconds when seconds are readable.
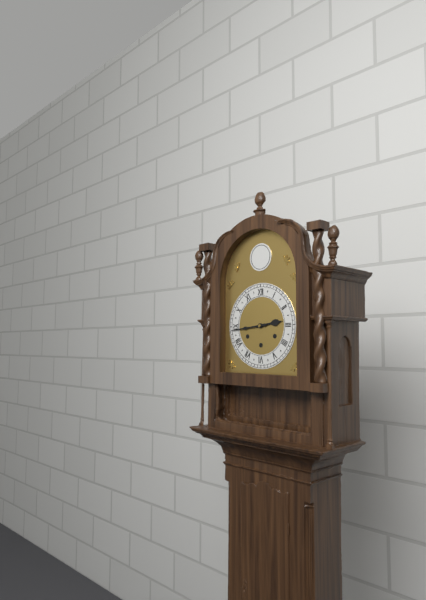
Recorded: 2,44
